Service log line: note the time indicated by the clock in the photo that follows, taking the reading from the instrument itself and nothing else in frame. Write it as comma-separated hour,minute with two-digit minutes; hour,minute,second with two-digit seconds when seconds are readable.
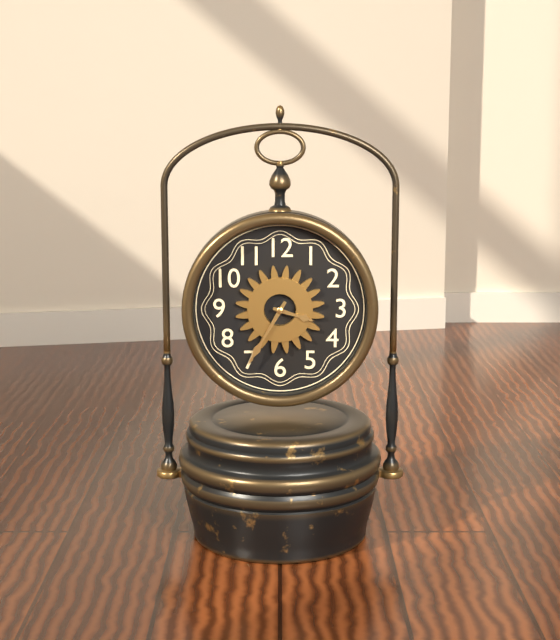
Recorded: 3,35
